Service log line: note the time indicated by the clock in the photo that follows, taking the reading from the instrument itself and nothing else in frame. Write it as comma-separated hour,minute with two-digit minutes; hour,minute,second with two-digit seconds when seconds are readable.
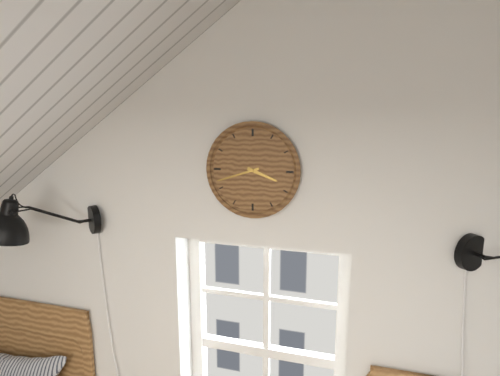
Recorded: 3,42
